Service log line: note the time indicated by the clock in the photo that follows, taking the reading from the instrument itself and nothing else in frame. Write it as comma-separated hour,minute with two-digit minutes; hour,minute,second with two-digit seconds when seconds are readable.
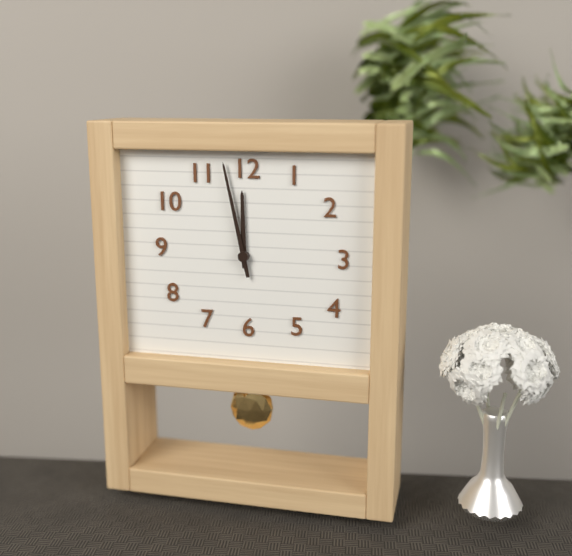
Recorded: 11,58
